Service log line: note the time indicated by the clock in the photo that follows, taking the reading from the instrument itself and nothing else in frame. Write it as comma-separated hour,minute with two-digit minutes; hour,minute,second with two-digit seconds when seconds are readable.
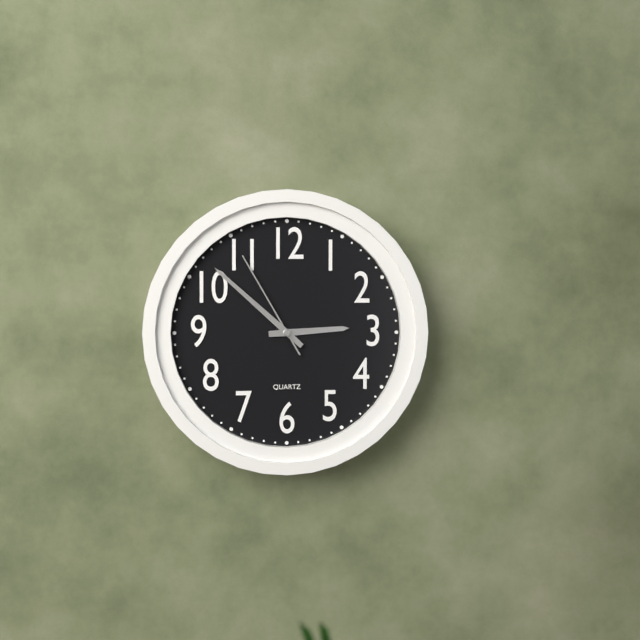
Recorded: 2,52,55
